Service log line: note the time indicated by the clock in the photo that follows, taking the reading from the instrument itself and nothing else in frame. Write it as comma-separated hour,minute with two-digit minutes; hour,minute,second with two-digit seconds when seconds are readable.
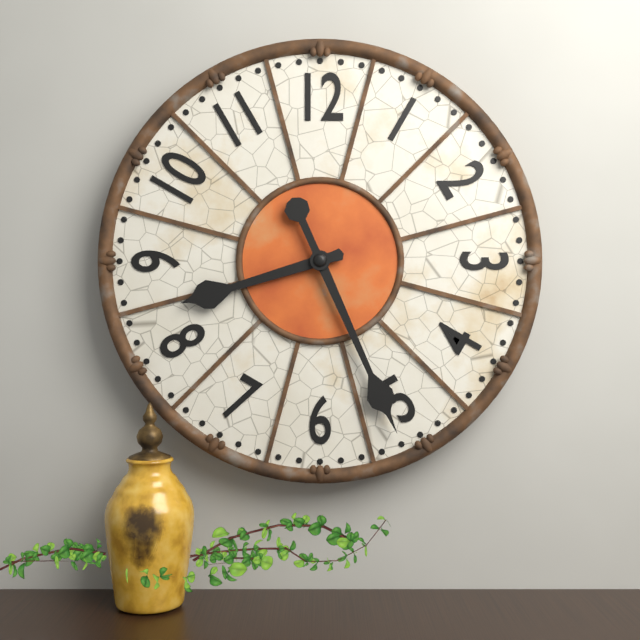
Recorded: 8,26
